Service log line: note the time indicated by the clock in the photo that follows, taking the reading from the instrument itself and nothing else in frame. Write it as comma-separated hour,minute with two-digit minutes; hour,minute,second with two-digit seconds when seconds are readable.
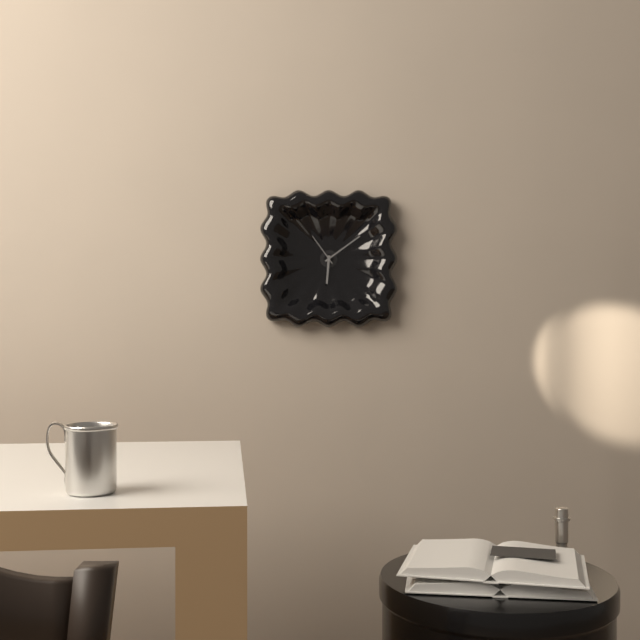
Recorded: 6,09
